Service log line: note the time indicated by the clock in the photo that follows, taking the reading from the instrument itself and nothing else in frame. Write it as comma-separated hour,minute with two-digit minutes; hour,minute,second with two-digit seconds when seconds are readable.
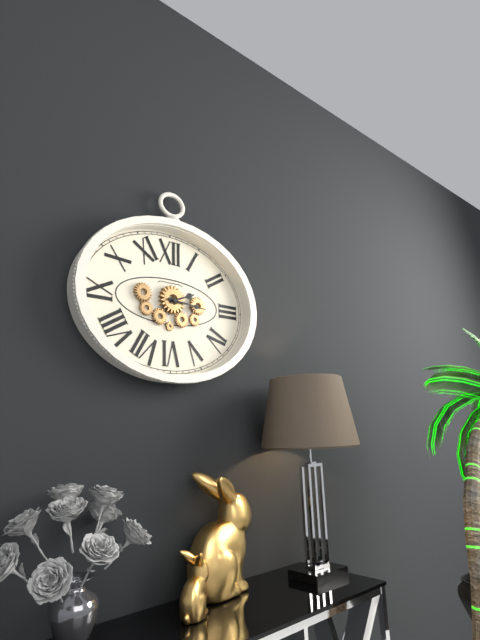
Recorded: 2,16
